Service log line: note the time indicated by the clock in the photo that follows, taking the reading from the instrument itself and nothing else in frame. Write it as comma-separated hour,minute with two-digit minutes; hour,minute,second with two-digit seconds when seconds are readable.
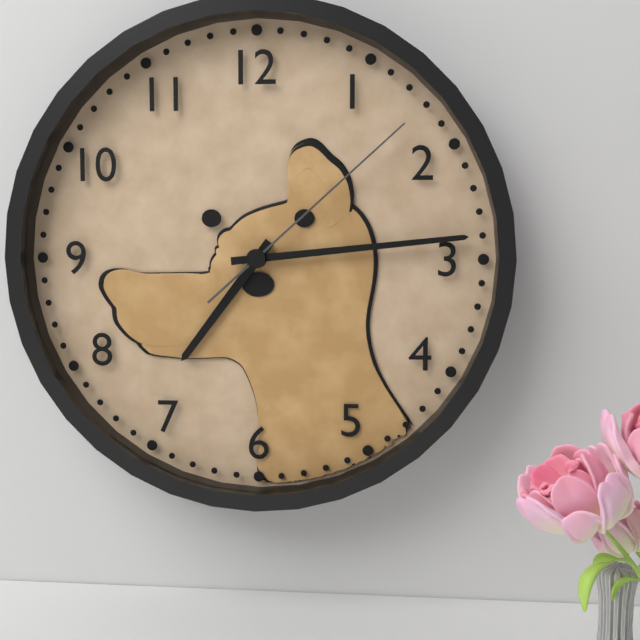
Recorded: 7,14,08
